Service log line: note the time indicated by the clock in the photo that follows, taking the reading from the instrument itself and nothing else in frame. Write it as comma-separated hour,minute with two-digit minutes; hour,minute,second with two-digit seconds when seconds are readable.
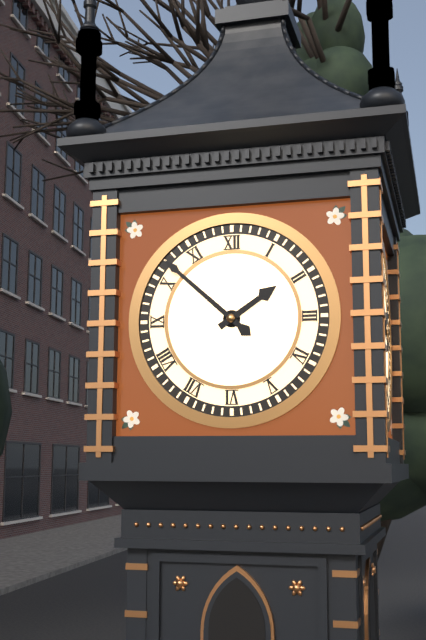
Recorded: 1,52
